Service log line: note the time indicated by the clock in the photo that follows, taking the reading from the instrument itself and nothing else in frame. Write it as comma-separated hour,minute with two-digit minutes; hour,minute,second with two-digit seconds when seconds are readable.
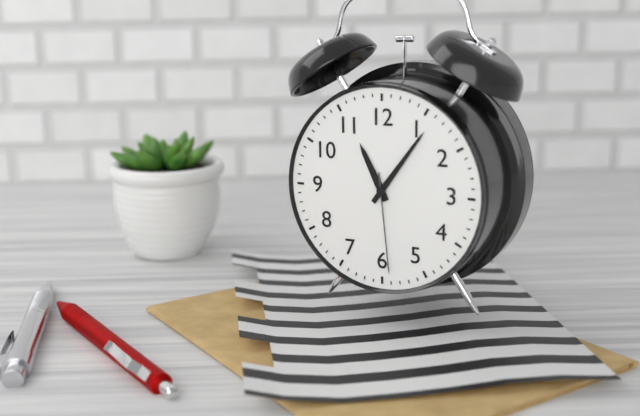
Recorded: 11,06,29
